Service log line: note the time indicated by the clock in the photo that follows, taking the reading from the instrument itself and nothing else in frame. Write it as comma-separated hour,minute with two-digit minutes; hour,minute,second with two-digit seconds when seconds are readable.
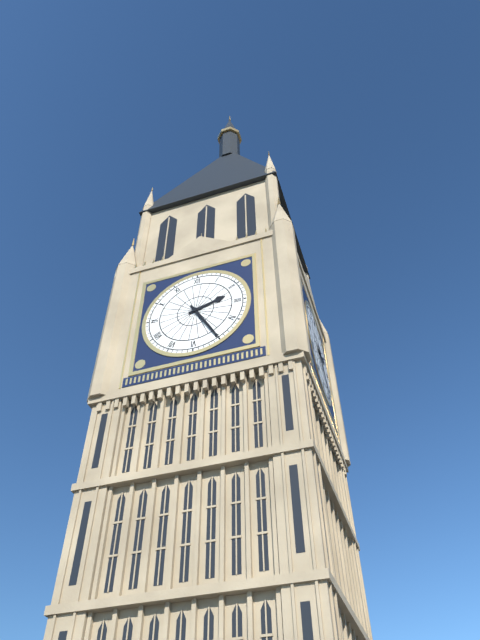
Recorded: 2,25
